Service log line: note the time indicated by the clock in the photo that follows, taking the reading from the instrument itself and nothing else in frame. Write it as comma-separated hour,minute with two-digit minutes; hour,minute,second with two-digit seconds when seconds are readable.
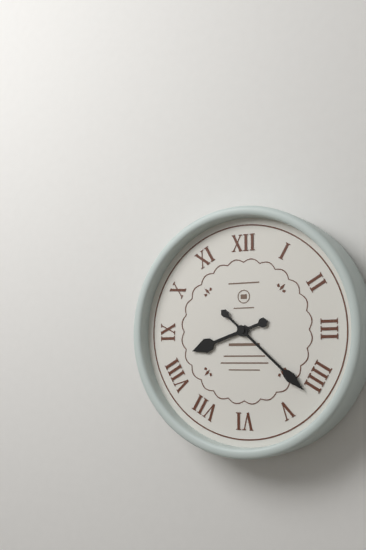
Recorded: 8,22
